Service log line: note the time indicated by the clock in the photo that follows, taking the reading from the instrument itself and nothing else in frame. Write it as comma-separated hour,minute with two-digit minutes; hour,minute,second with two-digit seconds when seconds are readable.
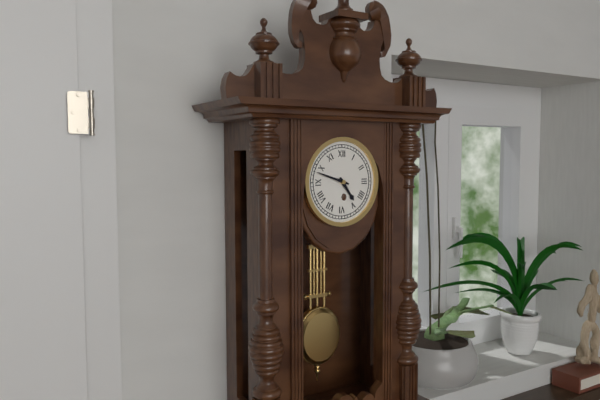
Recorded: 4,48
